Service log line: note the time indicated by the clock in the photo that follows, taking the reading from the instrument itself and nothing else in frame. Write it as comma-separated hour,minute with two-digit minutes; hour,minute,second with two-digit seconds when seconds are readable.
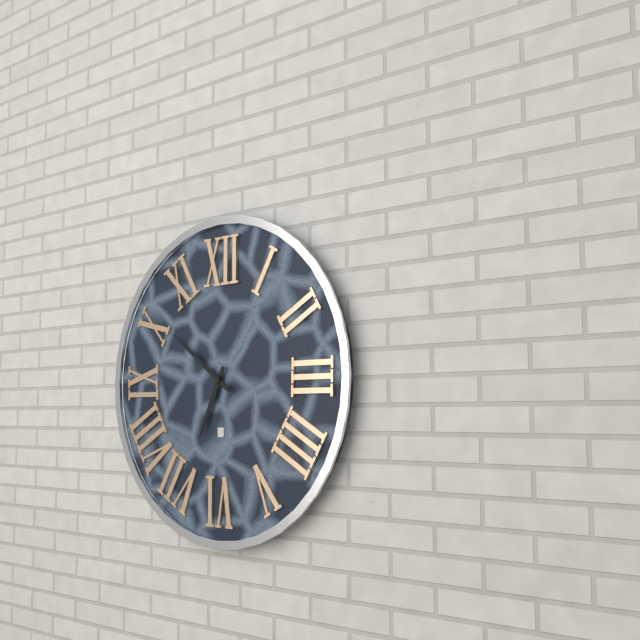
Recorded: 6,51
